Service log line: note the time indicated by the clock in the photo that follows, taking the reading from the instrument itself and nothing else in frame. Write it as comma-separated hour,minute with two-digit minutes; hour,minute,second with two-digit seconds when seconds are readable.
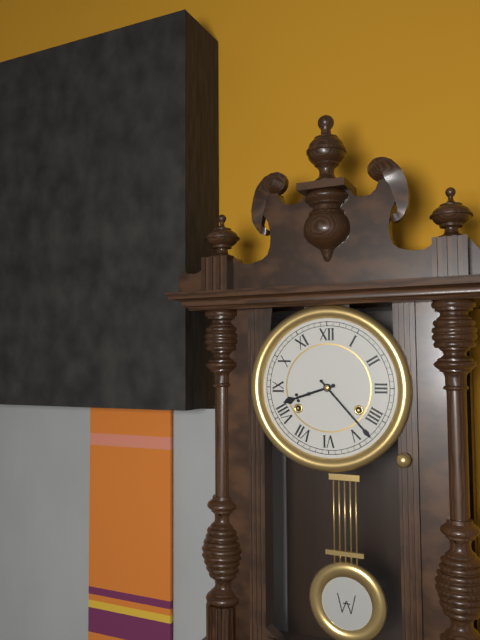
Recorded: 8,23
